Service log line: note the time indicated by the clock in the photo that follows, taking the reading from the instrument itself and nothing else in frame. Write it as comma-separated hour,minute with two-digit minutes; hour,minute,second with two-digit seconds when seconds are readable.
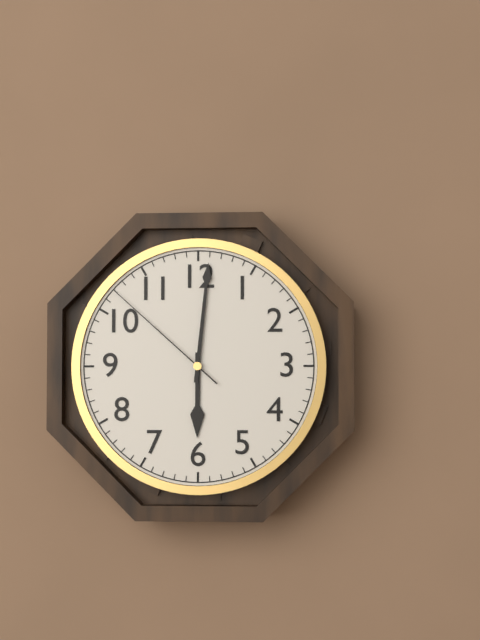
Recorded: 6,01,52
